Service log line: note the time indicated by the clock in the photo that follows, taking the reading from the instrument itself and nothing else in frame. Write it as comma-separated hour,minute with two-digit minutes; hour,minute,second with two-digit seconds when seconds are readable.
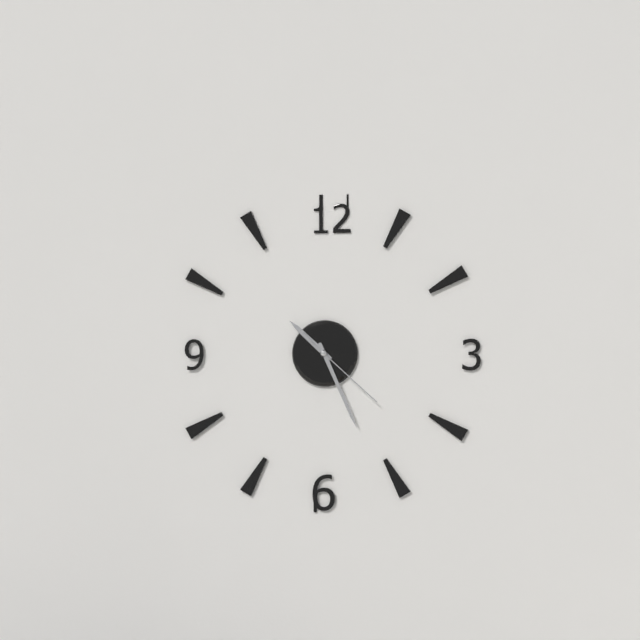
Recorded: 10,26,22
